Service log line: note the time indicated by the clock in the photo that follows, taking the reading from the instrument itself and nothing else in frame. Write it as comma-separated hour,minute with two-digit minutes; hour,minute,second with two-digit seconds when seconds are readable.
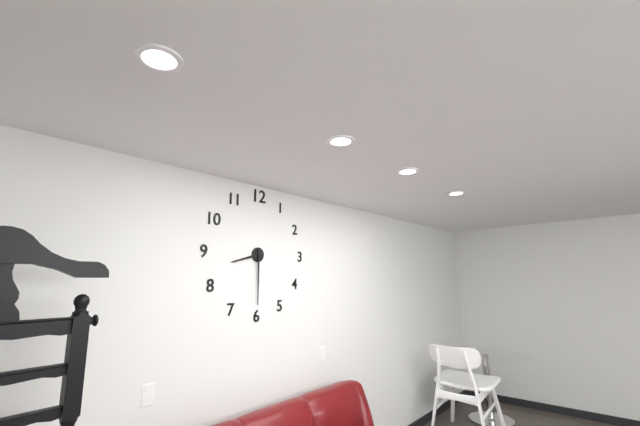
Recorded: 8,30
